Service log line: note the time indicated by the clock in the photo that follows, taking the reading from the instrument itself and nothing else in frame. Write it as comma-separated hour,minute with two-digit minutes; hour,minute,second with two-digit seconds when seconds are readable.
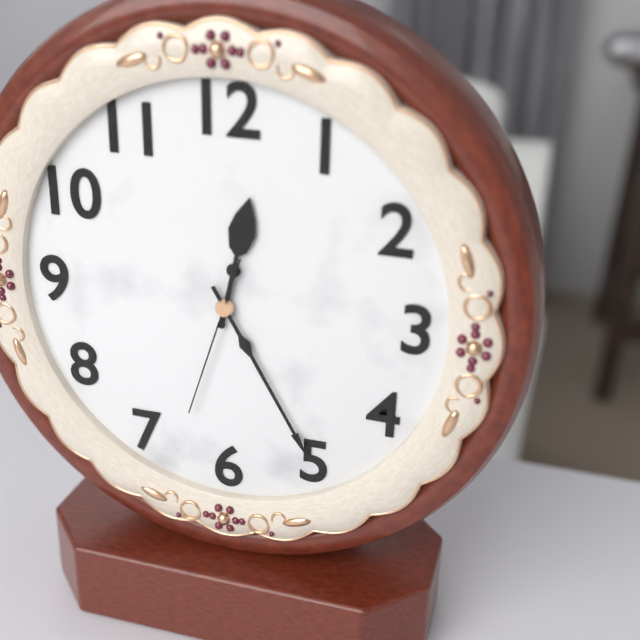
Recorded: 12,25,33
